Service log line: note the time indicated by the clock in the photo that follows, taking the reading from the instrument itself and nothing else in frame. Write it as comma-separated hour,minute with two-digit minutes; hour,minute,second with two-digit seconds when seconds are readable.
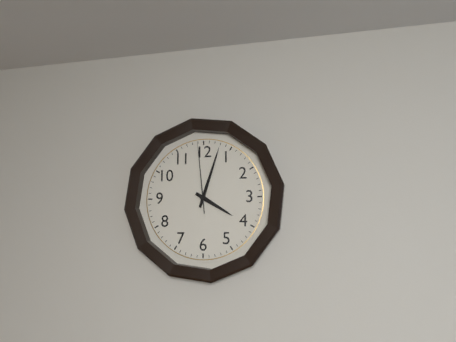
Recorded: 4,03,59
